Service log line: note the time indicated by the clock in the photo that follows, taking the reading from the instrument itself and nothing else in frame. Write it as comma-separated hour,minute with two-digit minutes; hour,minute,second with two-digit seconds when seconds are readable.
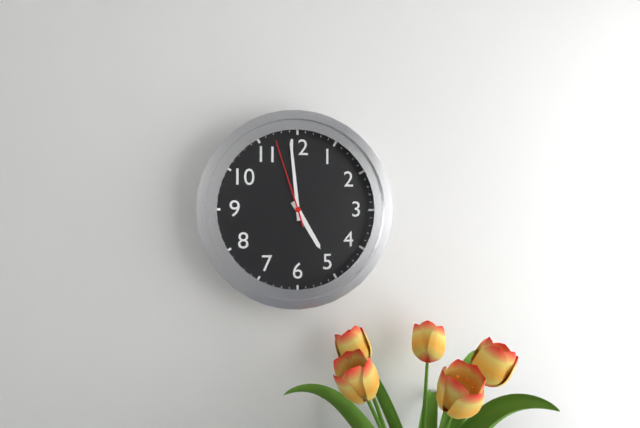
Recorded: 4,59,57
